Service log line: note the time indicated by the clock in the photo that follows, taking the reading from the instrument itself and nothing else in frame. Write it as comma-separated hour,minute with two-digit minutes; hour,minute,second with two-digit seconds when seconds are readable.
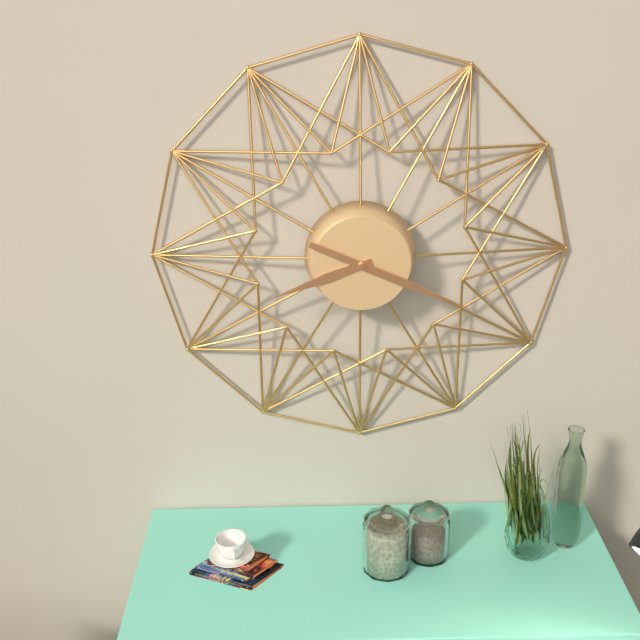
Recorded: 8,19
